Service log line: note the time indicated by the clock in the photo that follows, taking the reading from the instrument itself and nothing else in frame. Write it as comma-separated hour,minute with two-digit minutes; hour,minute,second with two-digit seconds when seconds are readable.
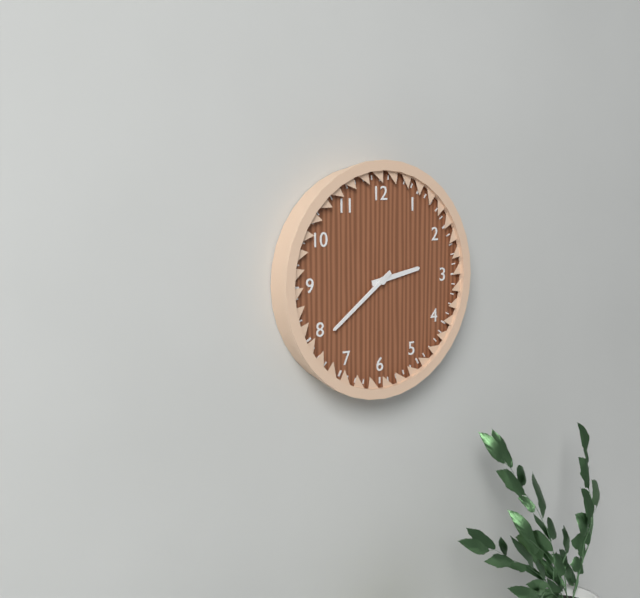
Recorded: 2,39
